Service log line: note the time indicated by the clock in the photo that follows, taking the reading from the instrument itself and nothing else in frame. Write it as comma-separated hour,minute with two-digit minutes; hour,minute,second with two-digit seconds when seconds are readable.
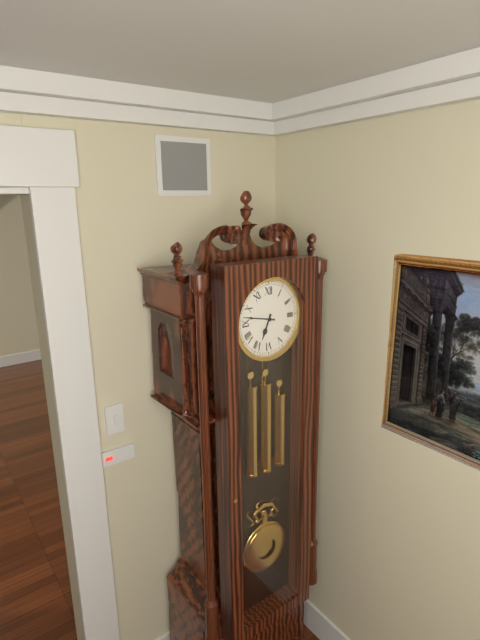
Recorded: 6,47
